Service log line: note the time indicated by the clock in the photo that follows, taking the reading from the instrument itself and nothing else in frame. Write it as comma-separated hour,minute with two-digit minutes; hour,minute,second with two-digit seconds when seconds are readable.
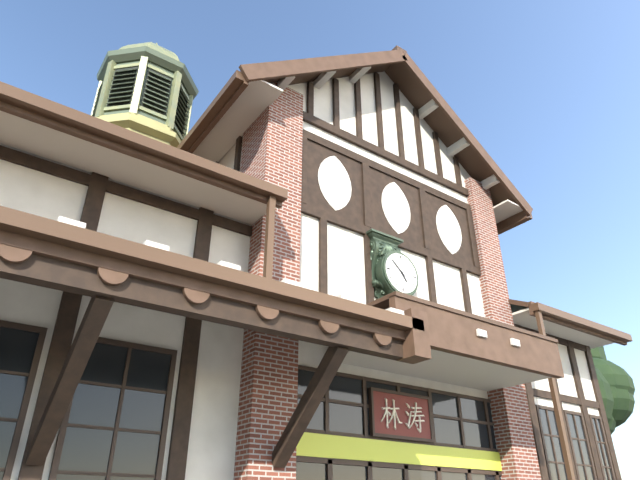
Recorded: 4,52
